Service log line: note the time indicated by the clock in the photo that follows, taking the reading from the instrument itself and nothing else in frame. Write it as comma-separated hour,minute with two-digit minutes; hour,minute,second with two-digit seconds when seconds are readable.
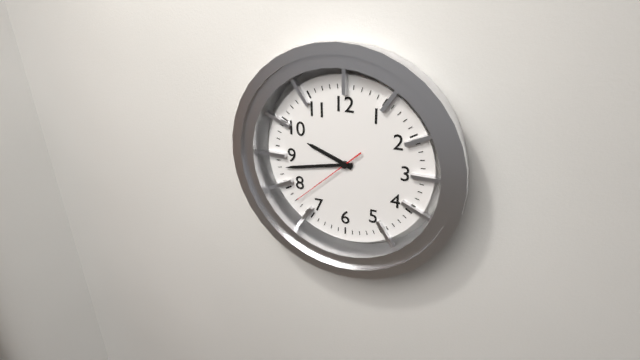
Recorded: 9,43,38
